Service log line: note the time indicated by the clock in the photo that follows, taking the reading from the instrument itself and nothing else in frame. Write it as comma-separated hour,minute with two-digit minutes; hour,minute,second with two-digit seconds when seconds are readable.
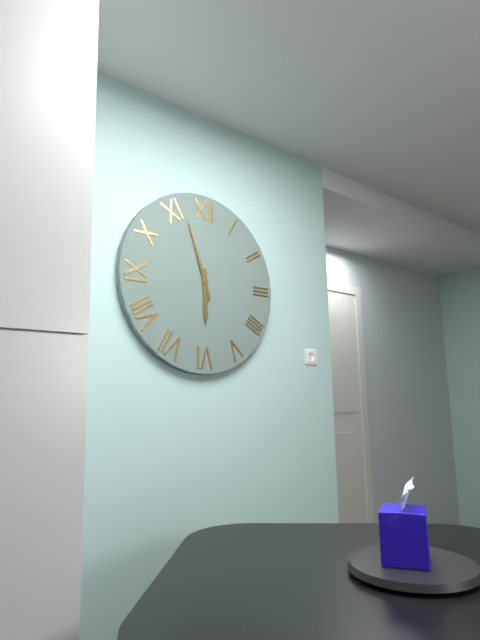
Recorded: 5,57
